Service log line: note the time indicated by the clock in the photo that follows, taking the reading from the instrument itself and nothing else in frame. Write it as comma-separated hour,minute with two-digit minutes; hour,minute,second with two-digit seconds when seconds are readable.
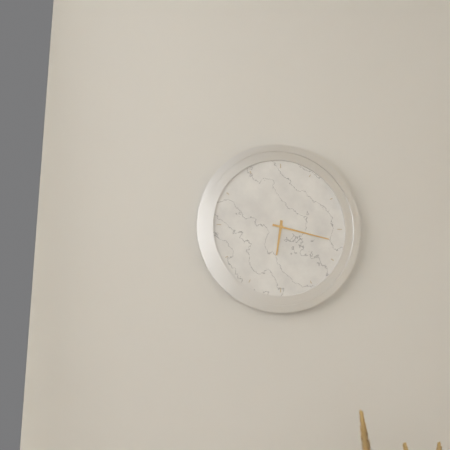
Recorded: 6,17
